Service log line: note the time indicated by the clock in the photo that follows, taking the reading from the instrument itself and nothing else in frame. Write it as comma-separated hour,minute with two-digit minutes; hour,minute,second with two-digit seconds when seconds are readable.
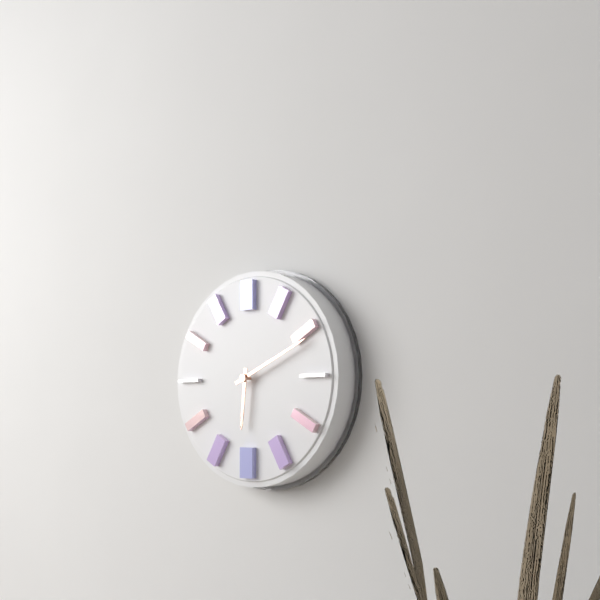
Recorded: 6,11
